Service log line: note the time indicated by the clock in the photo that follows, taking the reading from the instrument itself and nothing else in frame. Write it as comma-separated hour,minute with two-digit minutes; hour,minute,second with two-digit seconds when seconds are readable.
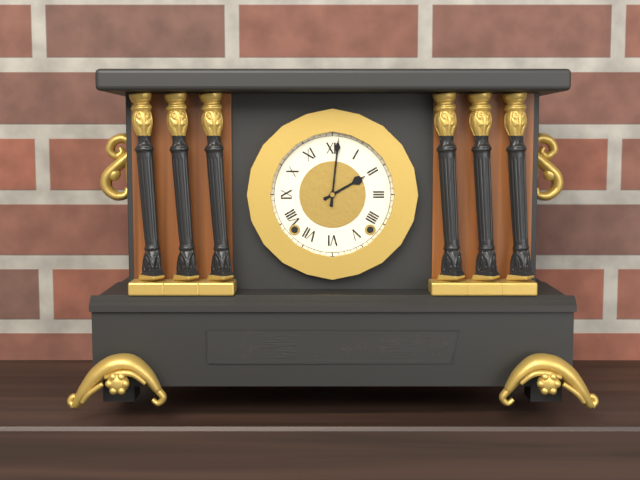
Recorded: 2,01
